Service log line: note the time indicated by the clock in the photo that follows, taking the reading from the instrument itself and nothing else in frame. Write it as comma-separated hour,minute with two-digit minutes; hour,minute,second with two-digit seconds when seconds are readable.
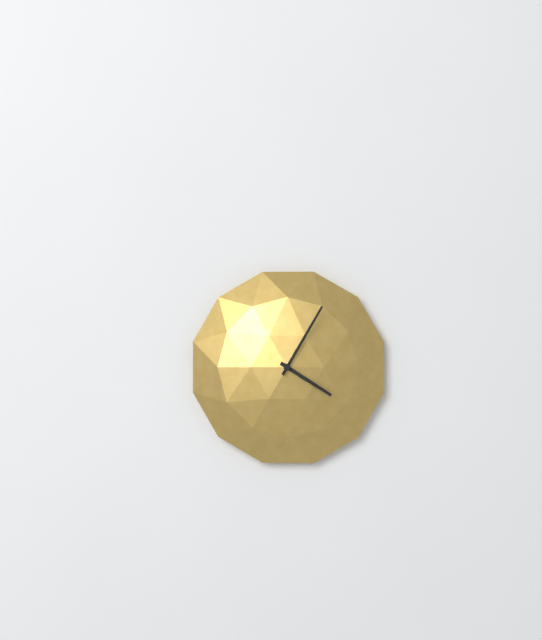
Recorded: 4,05
